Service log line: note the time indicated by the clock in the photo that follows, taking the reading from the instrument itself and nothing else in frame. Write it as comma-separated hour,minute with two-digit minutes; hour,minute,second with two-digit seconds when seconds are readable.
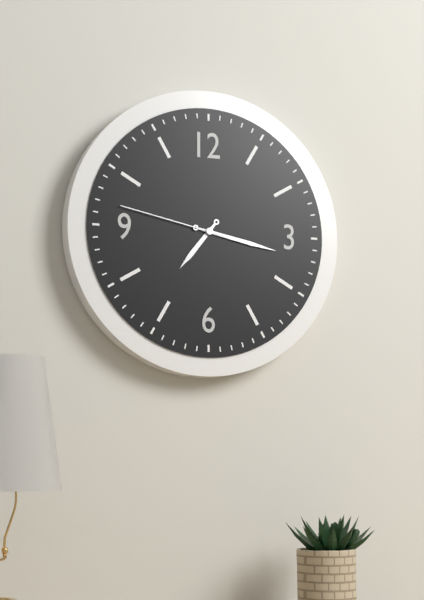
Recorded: 7,17,47
